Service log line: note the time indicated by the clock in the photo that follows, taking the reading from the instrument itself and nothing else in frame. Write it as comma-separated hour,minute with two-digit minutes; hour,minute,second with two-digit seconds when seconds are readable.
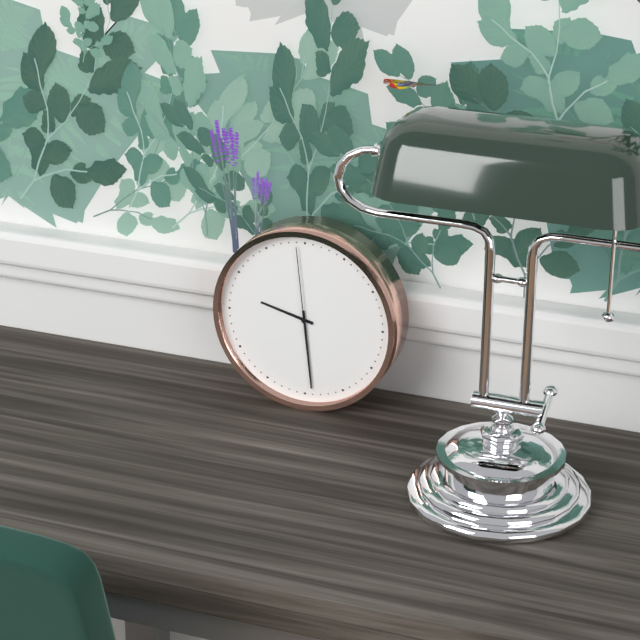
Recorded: 9,29,59
